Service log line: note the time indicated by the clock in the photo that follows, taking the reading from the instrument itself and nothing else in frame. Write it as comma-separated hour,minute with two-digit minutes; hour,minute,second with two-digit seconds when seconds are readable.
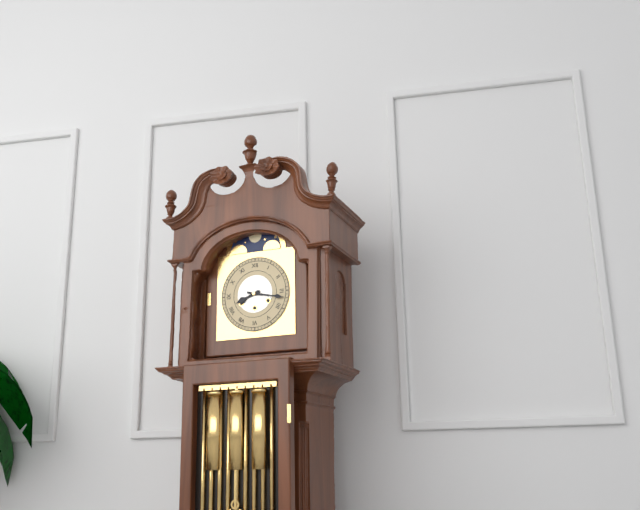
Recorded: 8,17
